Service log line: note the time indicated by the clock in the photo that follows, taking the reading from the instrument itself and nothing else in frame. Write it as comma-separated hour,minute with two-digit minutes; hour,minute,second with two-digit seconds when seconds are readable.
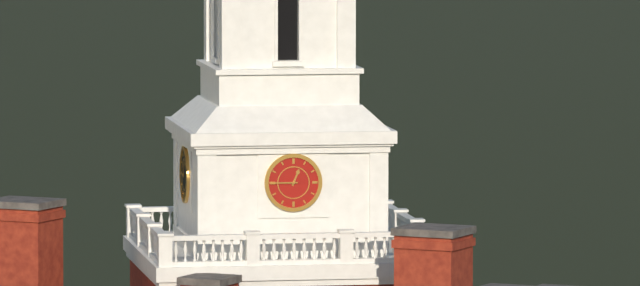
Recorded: 12,45
